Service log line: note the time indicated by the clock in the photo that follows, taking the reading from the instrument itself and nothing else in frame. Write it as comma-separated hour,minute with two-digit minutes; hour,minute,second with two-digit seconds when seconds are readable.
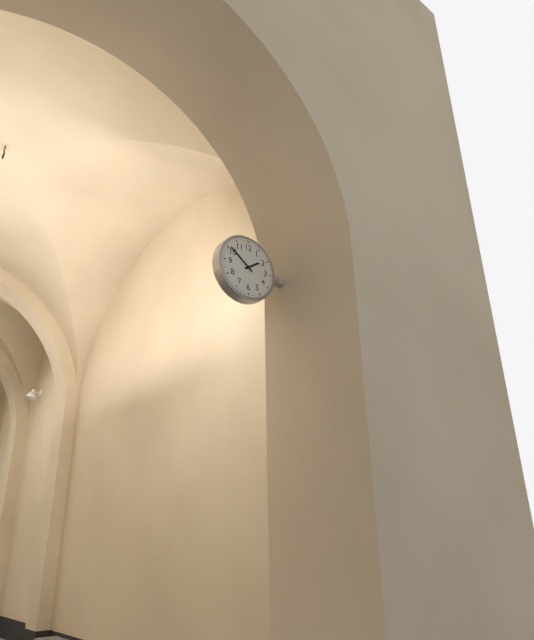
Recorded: 1,51
